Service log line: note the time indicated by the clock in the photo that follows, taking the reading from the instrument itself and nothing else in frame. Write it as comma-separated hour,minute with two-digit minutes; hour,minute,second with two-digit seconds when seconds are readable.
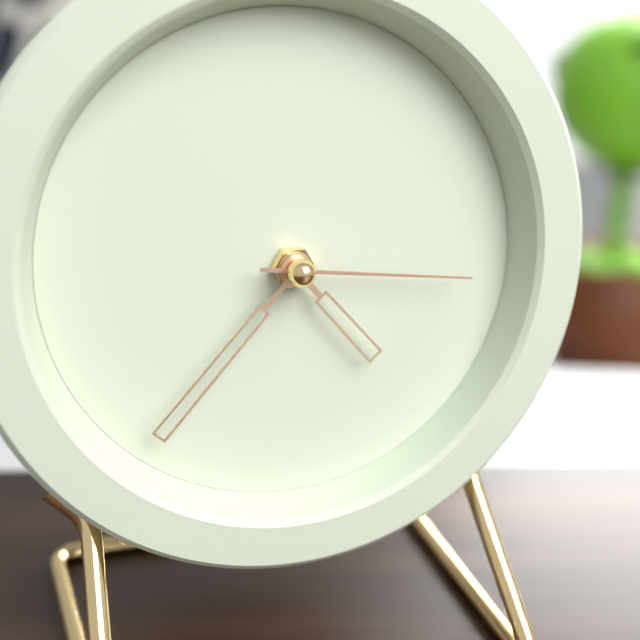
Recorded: 4,37,16
